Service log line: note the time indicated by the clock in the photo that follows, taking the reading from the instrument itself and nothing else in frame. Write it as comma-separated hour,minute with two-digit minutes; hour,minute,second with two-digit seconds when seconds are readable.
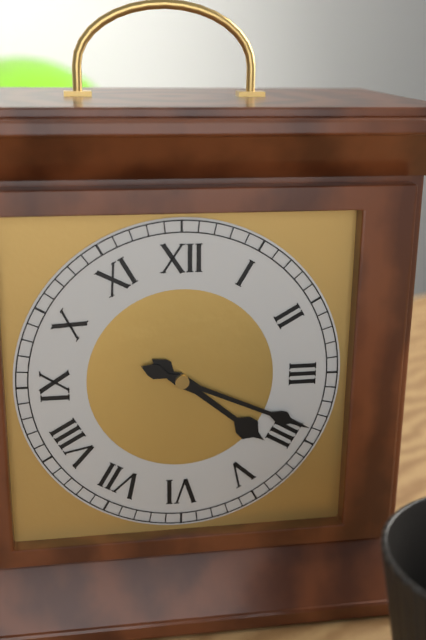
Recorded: 4,19
